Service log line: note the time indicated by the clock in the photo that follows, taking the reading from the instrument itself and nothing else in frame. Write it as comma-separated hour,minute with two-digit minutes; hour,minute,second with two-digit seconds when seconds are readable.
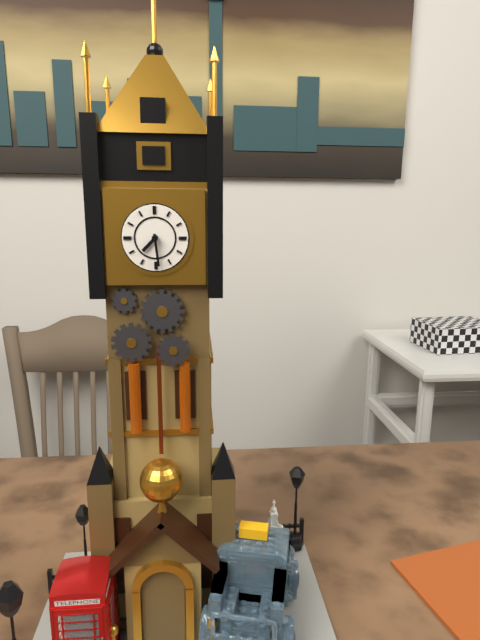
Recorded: 7,29
